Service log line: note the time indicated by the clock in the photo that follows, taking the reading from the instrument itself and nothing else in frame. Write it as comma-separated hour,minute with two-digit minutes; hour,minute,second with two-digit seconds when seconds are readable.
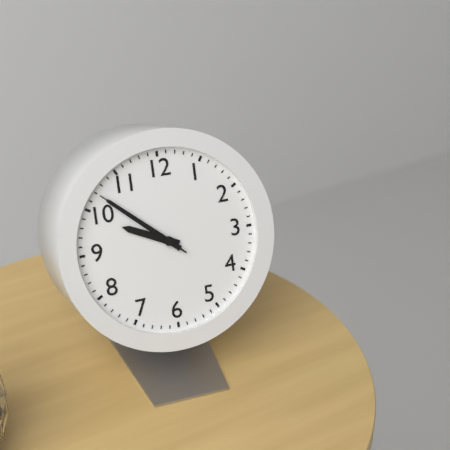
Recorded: 9,52,52
